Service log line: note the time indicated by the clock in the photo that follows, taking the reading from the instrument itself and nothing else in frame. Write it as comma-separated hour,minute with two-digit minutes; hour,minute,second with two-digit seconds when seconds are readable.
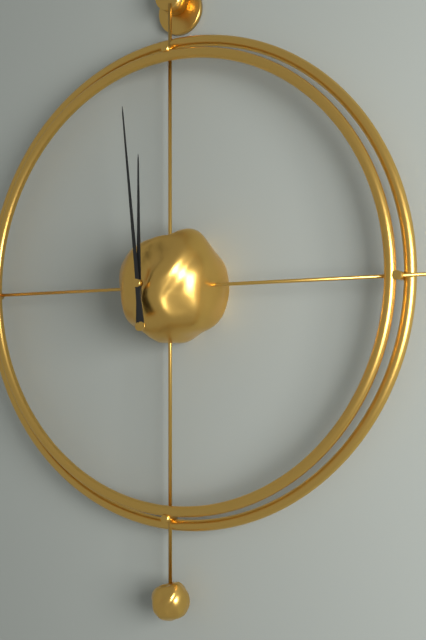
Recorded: 11,59
